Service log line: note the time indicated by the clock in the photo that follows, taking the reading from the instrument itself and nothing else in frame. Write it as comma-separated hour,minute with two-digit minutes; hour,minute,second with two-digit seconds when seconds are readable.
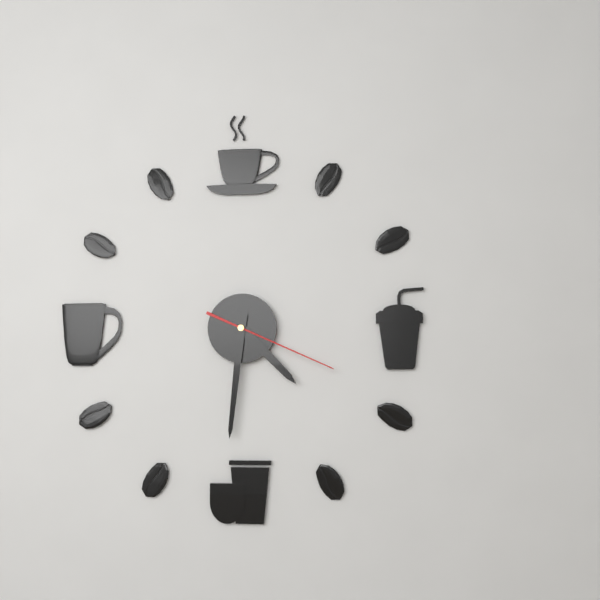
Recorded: 4,31,19
